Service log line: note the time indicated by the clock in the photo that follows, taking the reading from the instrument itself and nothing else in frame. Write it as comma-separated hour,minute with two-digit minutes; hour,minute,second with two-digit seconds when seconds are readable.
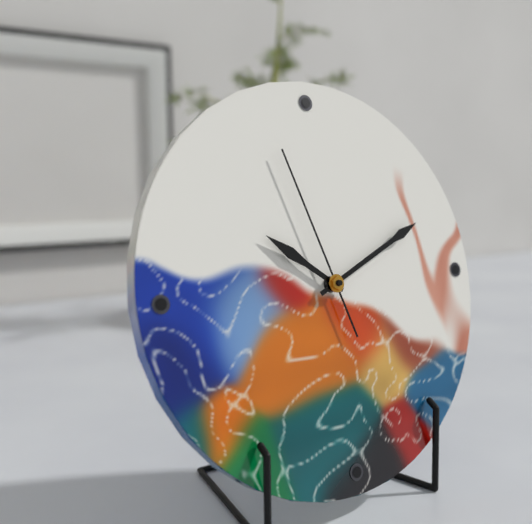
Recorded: 10,11,57
